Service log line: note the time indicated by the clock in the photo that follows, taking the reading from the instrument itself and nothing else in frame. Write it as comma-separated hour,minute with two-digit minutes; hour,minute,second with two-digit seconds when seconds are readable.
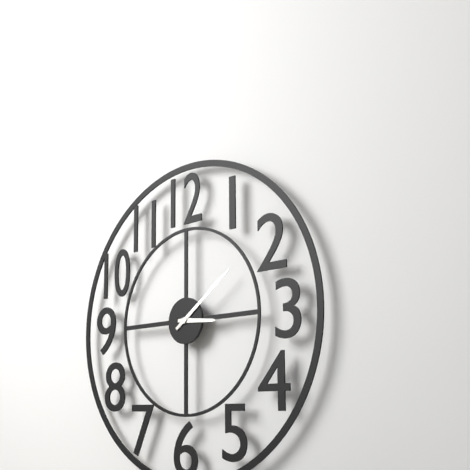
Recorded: 3,09
